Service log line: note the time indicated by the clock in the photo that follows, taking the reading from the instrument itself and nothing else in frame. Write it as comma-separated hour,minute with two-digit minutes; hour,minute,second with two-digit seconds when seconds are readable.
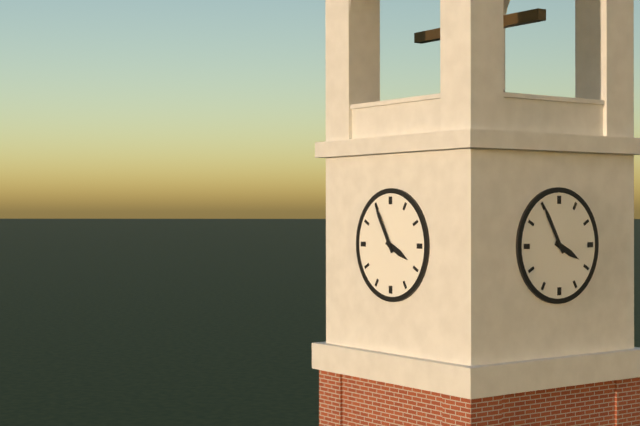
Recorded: 3,55
